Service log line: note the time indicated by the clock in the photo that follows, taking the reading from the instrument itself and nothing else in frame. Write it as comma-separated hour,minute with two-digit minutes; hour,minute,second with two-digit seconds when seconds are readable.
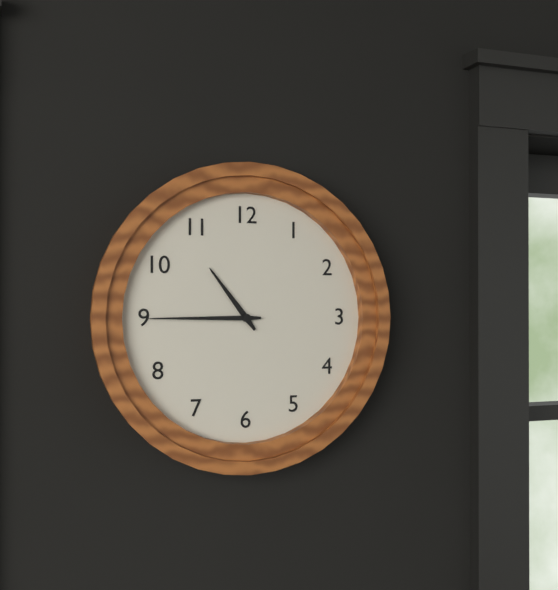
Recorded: 10,45
